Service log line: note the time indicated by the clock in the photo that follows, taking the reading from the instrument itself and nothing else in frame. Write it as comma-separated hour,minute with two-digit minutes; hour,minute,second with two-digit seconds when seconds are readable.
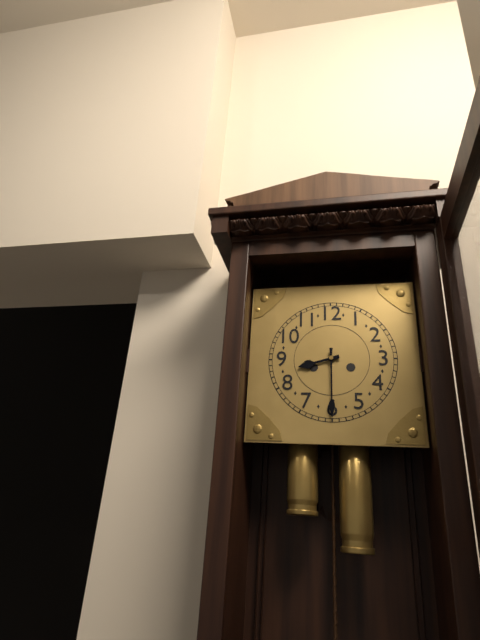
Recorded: 8,30
